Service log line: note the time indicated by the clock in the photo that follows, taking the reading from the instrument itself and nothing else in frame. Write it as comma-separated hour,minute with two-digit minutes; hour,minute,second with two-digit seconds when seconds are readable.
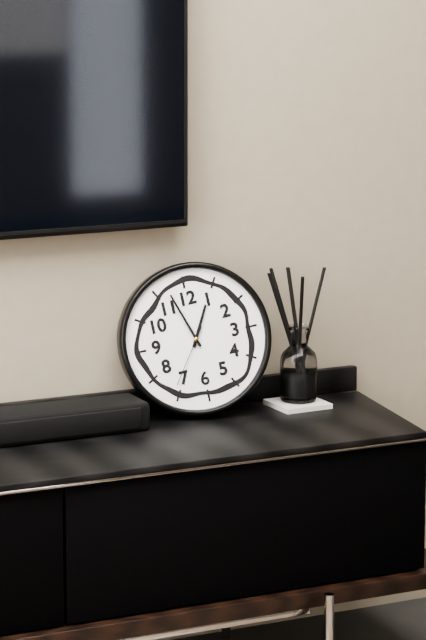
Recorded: 12,57,36
